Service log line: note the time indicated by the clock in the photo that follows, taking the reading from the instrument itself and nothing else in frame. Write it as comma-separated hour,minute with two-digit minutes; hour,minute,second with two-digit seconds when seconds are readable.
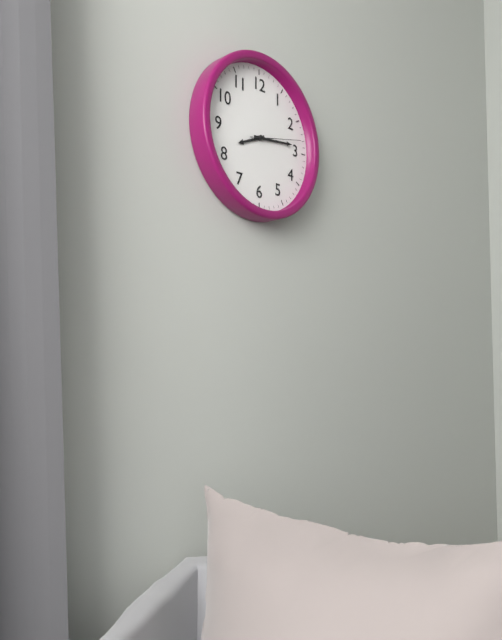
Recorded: 8,14,13
